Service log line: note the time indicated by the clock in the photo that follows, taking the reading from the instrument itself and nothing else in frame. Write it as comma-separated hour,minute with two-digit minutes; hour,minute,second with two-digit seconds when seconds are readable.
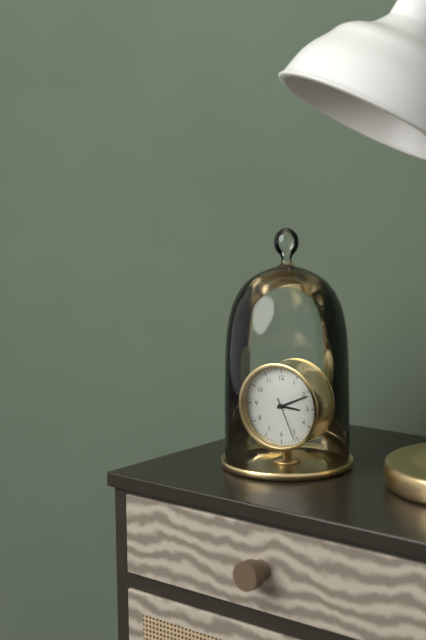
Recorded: 3,11
